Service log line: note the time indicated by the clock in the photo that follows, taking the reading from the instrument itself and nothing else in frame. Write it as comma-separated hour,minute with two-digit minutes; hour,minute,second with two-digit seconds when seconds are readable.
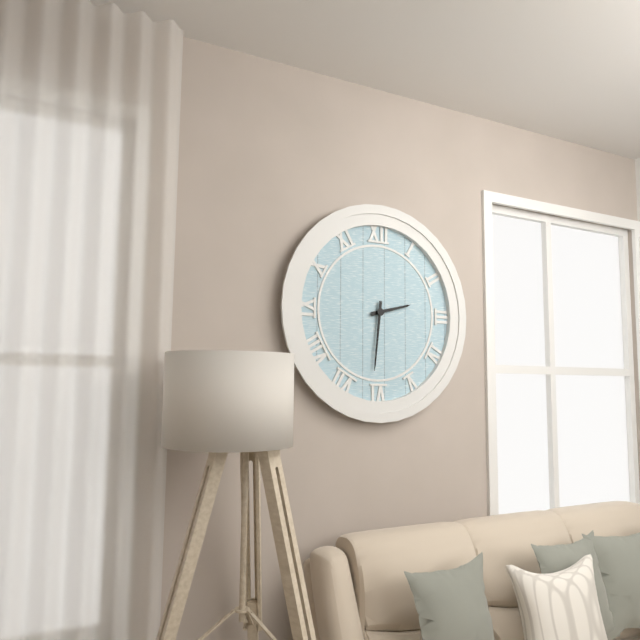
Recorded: 2,31
